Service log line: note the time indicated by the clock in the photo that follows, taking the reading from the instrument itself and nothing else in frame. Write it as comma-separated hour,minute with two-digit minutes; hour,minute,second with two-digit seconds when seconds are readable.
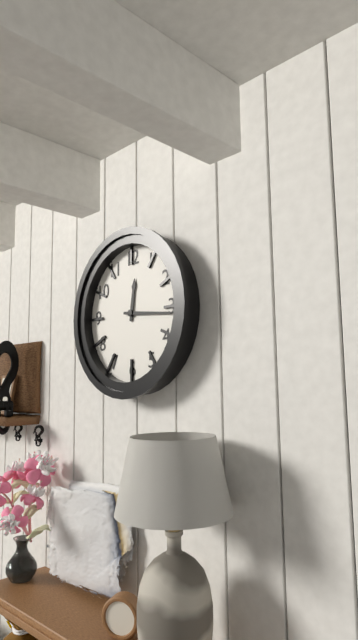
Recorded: 12,16
